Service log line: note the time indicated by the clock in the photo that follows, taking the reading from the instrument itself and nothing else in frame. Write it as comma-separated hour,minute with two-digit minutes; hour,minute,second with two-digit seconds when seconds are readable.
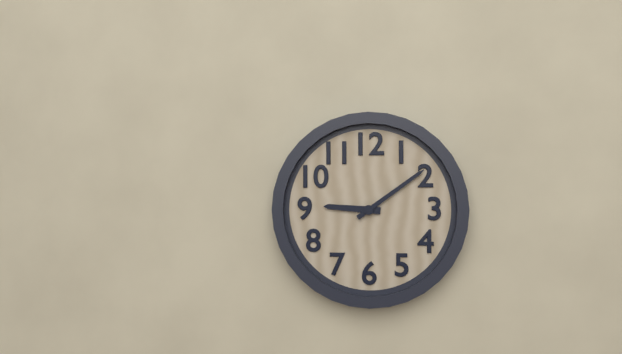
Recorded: 9,09
